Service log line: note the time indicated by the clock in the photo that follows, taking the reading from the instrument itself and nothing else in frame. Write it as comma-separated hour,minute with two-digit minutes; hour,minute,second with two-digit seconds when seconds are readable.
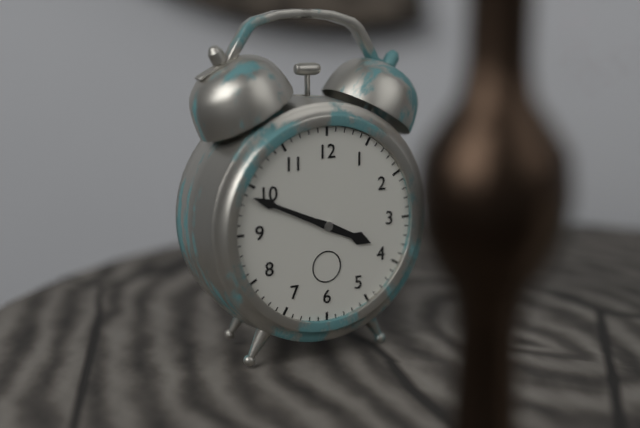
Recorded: 3,49
